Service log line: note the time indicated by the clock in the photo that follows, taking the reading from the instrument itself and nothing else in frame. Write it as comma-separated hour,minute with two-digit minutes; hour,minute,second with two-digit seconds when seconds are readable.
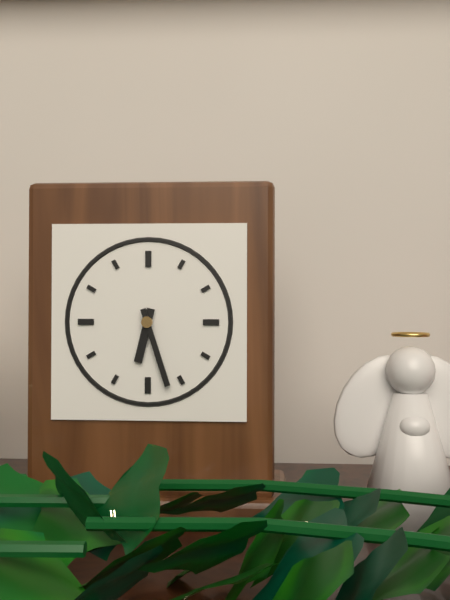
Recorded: 6,27
